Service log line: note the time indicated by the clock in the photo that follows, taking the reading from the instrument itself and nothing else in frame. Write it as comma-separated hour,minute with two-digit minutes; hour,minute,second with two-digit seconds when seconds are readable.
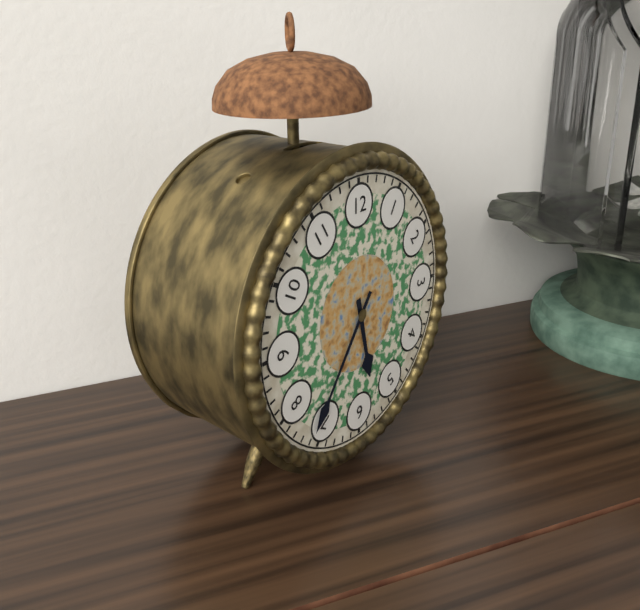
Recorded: 5,36
